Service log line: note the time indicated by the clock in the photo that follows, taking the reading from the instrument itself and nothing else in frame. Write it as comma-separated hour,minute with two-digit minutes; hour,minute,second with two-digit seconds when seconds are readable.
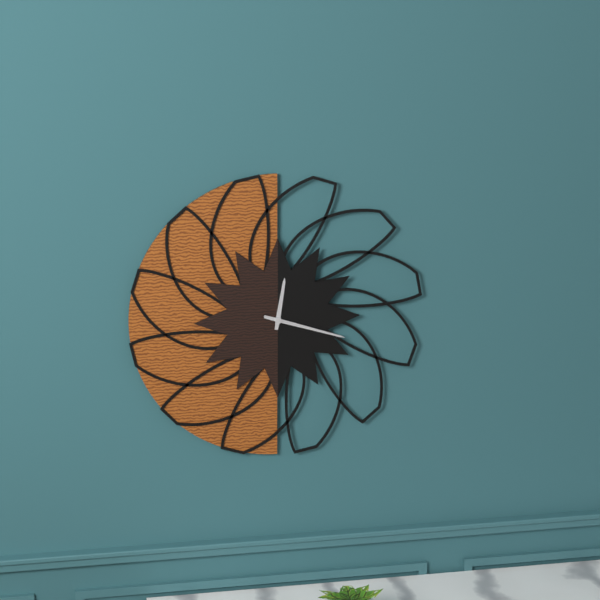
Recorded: 12,18
